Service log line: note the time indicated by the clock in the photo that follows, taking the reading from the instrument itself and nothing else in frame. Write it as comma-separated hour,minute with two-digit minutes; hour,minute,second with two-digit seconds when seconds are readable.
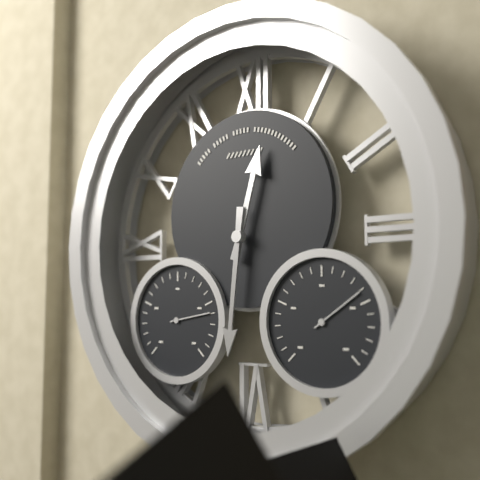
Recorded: 12,31
